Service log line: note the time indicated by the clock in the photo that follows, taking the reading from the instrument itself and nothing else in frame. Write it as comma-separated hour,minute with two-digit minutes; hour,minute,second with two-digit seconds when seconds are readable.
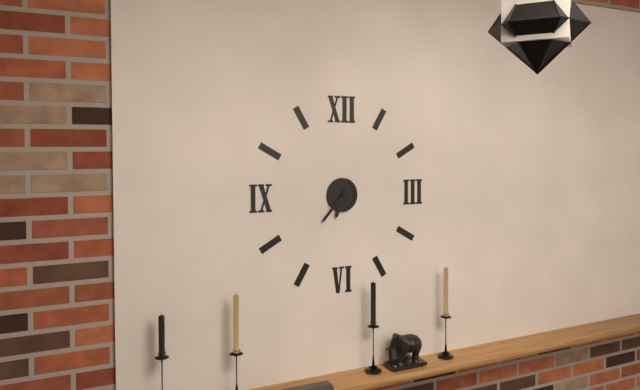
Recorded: 6,37
